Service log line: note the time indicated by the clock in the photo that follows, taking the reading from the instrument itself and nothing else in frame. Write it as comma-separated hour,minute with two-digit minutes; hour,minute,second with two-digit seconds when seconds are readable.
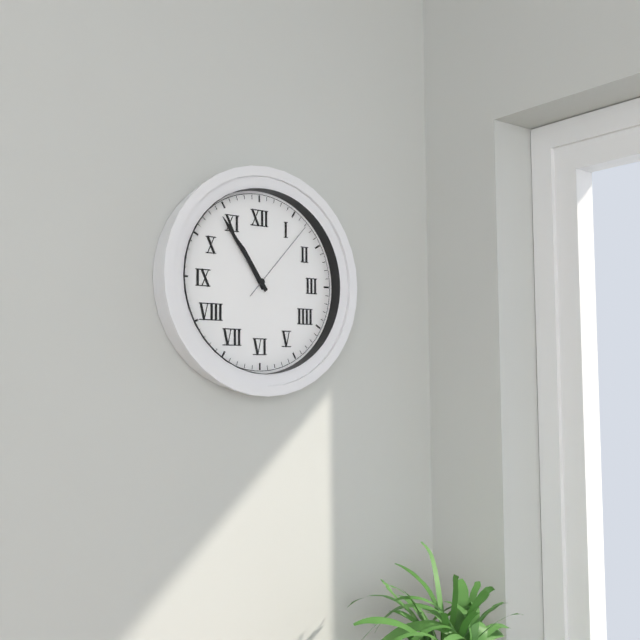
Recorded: 10,54,07
